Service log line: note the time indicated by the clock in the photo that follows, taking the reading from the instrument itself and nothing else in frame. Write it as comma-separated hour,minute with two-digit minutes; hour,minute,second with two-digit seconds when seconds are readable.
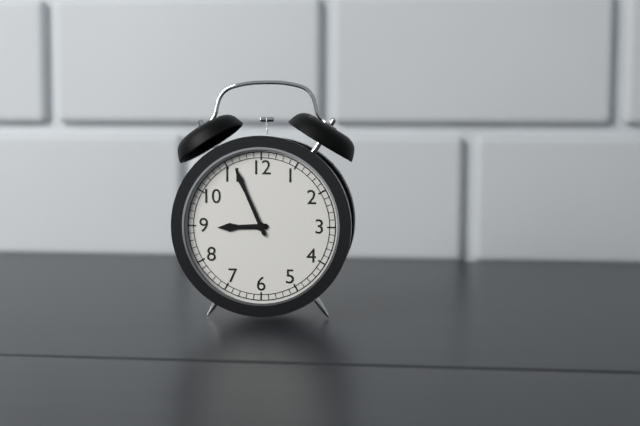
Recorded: 8,56
